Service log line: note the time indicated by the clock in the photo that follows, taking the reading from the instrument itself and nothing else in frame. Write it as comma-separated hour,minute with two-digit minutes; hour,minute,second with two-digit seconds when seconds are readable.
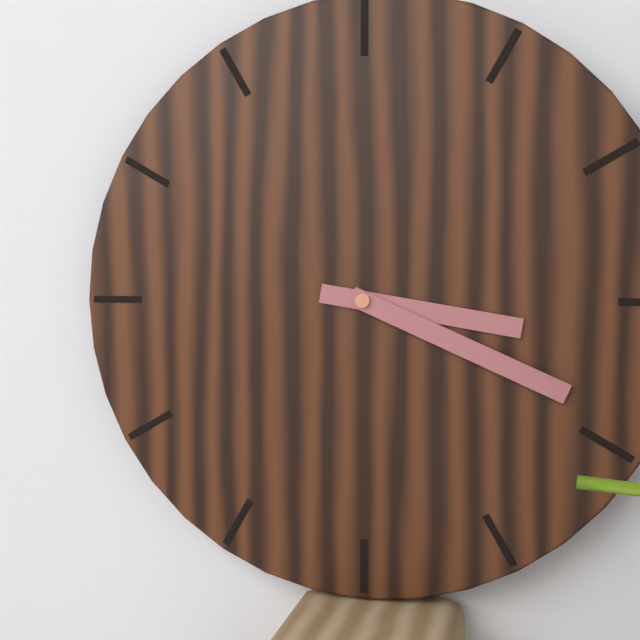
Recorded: 3,19
